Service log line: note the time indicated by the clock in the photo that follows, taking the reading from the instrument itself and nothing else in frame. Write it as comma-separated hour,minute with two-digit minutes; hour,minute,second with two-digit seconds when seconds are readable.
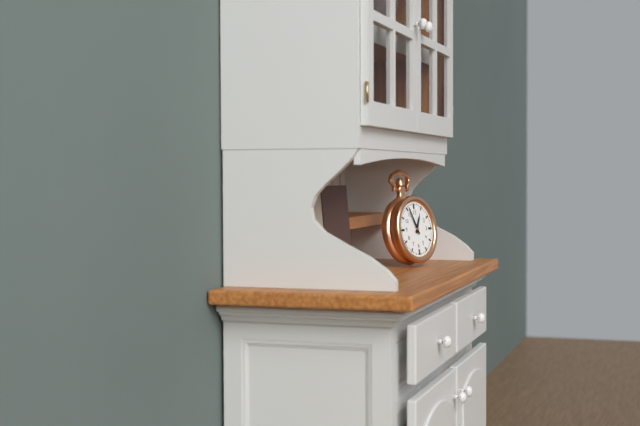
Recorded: 12,56
